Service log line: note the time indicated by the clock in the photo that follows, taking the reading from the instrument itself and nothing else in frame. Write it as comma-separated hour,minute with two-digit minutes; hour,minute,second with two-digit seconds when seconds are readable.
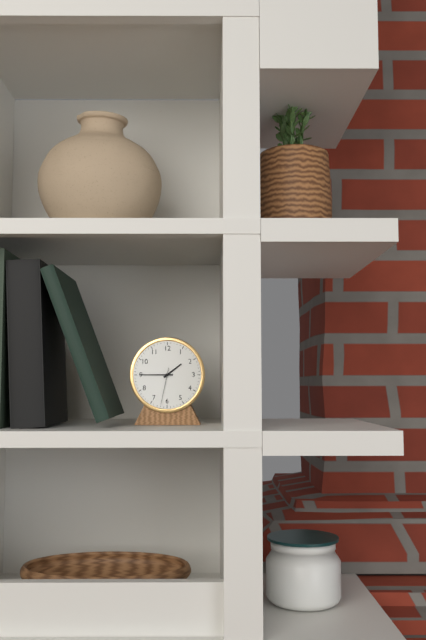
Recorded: 1,45
